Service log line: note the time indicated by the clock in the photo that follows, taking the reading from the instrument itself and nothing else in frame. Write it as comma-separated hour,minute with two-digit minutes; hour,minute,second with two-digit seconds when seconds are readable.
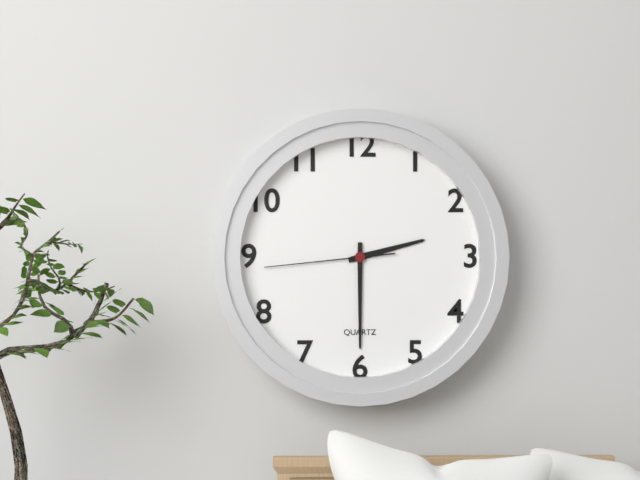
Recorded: 2,30,44
